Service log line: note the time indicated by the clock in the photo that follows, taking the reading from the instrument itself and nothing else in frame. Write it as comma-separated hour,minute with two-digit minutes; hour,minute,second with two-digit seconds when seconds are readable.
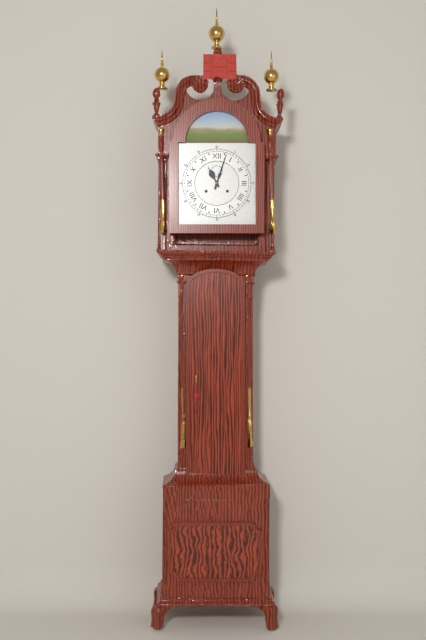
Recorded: 11,03
